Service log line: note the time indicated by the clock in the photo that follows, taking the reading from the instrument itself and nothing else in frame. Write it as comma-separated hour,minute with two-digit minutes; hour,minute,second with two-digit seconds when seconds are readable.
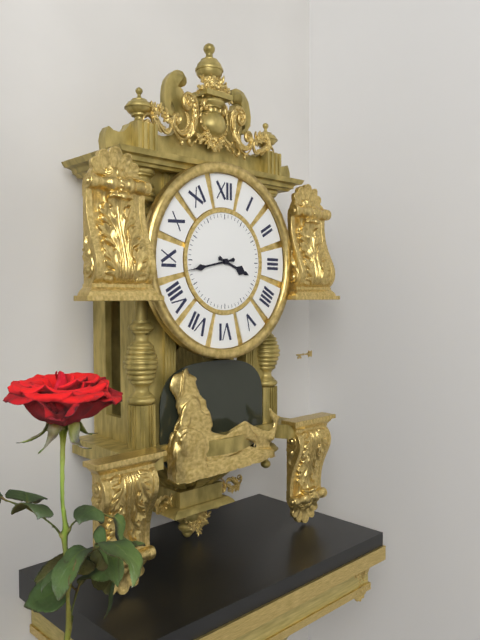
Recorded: 3,43
